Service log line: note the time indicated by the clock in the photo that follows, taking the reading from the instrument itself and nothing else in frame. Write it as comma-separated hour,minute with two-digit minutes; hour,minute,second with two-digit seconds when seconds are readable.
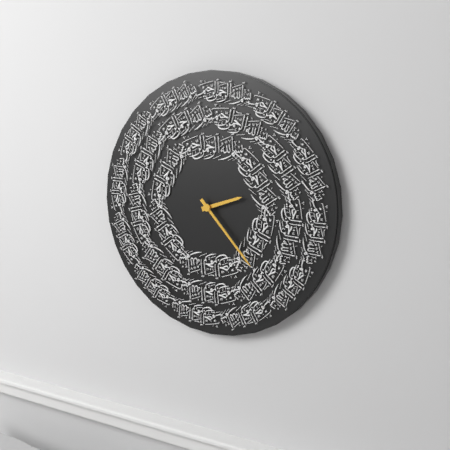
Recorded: 2,23
